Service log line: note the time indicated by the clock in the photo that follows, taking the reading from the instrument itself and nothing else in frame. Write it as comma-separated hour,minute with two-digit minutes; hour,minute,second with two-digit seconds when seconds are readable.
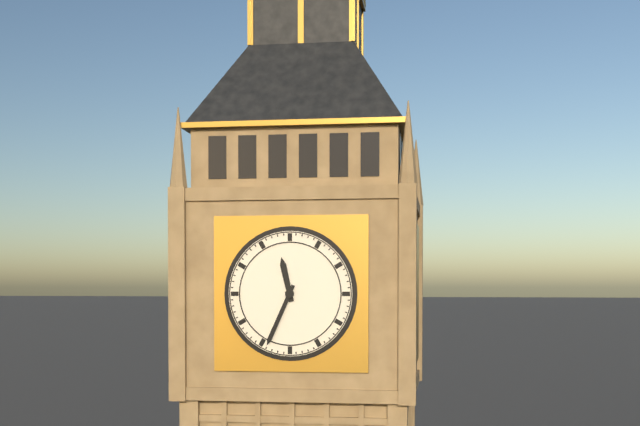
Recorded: 11,34
